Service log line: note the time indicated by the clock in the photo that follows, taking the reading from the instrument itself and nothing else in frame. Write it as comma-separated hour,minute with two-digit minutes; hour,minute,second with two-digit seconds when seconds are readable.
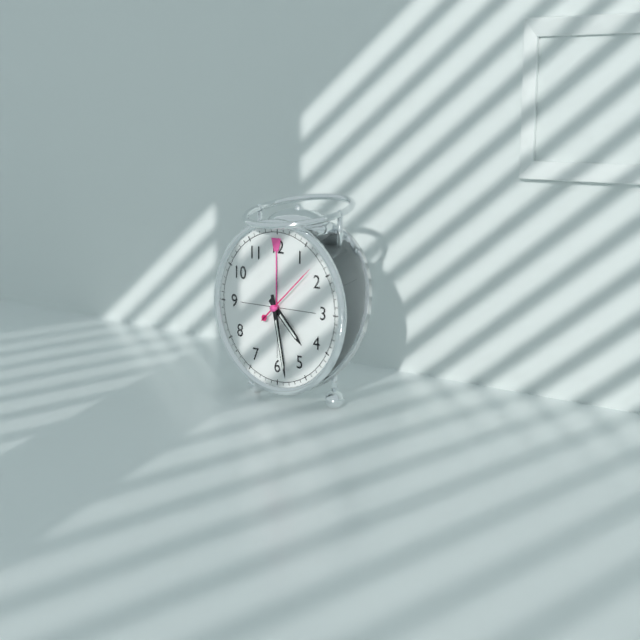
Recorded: 4,28,08
